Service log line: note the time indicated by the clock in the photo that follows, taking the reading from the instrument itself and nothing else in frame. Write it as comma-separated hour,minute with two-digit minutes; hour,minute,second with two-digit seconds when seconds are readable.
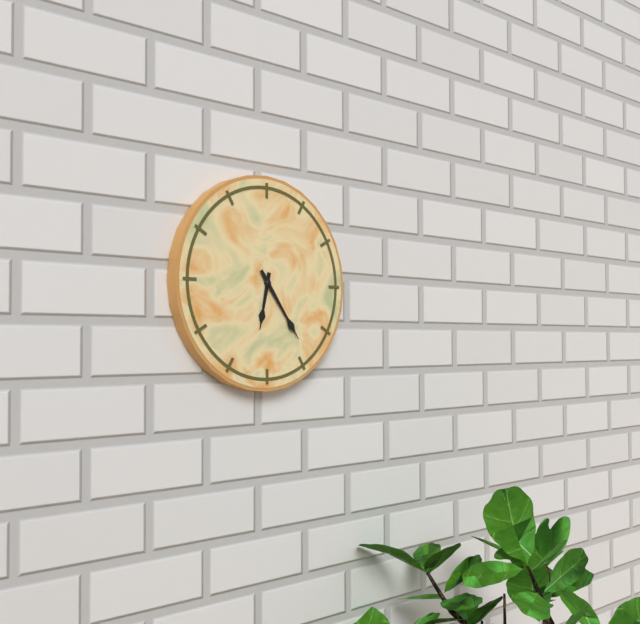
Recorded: 6,24
